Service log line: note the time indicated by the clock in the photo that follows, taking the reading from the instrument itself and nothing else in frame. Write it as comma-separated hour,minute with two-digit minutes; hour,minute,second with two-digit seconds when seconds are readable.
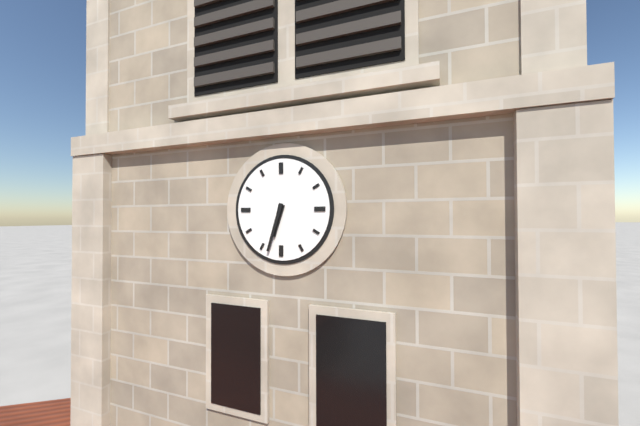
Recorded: 6,33
